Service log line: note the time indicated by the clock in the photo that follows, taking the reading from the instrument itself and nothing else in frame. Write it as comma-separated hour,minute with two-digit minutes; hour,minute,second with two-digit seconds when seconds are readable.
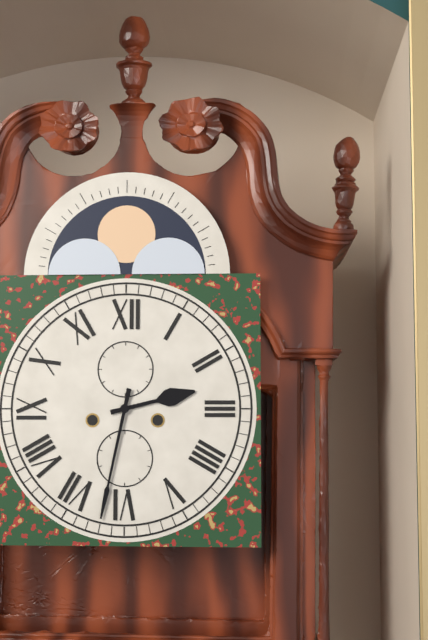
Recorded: 2,32
